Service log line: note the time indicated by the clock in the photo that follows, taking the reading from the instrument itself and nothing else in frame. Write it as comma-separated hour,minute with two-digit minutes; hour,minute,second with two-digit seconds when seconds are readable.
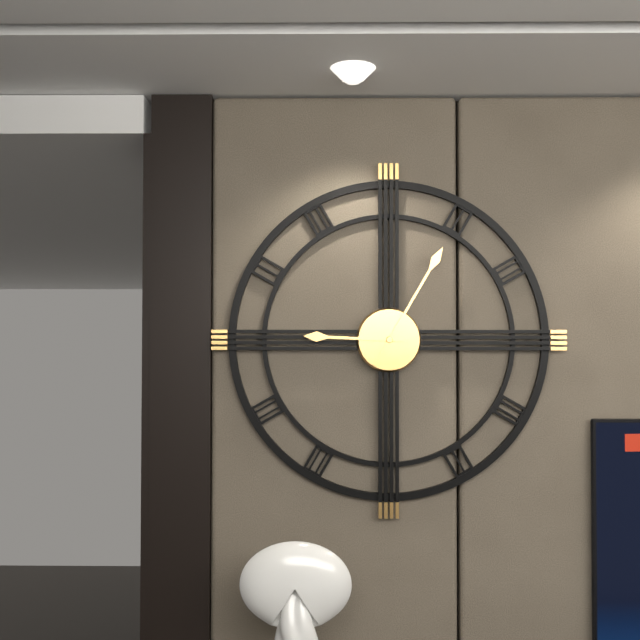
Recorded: 9,05
